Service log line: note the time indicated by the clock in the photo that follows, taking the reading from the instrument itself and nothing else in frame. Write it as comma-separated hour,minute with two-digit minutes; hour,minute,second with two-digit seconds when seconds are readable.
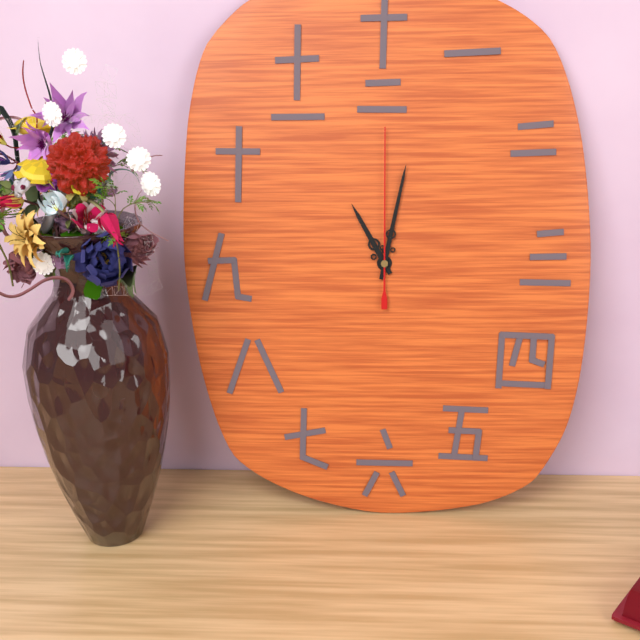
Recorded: 11,02,00
